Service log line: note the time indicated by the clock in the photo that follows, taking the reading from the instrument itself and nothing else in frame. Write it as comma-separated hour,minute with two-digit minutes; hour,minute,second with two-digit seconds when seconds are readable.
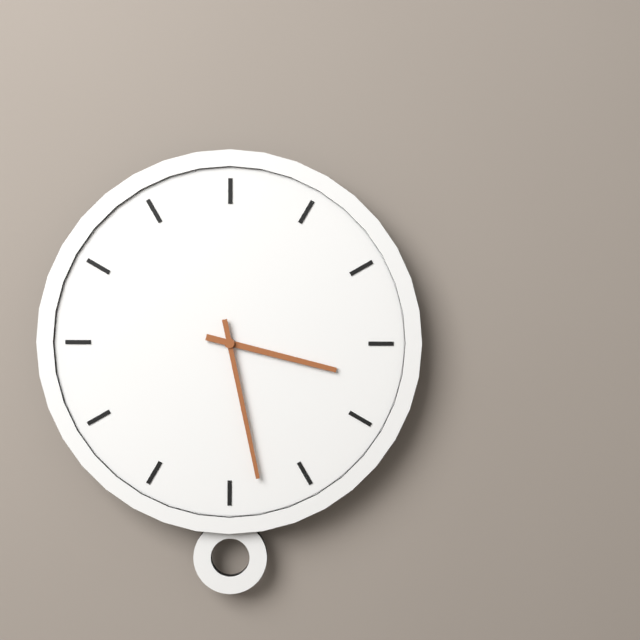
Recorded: 3,28
